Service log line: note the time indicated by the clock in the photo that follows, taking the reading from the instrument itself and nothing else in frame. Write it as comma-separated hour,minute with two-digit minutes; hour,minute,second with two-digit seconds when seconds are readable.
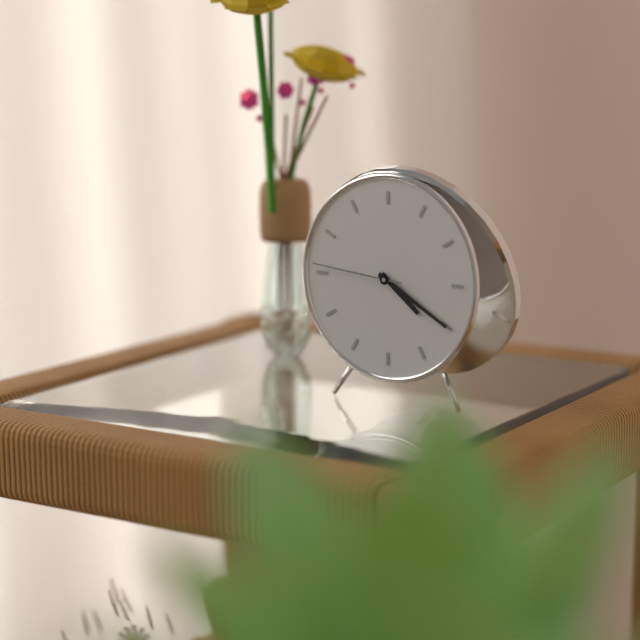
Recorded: 4,20,46
